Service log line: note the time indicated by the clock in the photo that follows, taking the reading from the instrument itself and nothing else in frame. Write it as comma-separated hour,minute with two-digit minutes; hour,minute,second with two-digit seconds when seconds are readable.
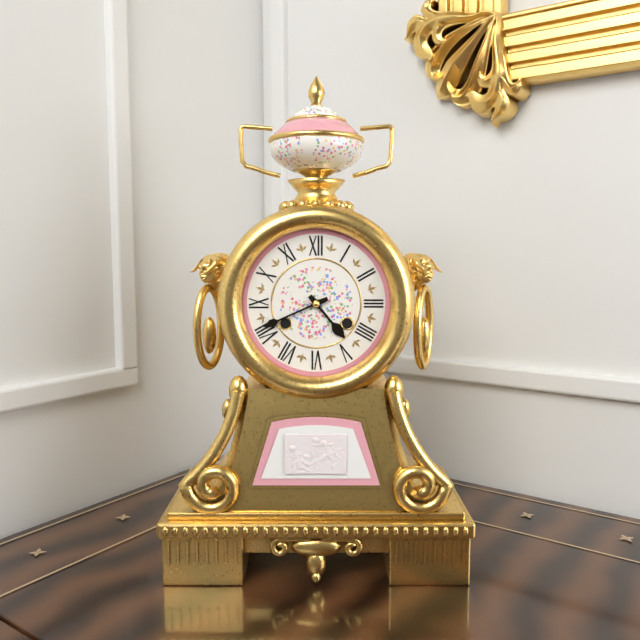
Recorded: 4,41
